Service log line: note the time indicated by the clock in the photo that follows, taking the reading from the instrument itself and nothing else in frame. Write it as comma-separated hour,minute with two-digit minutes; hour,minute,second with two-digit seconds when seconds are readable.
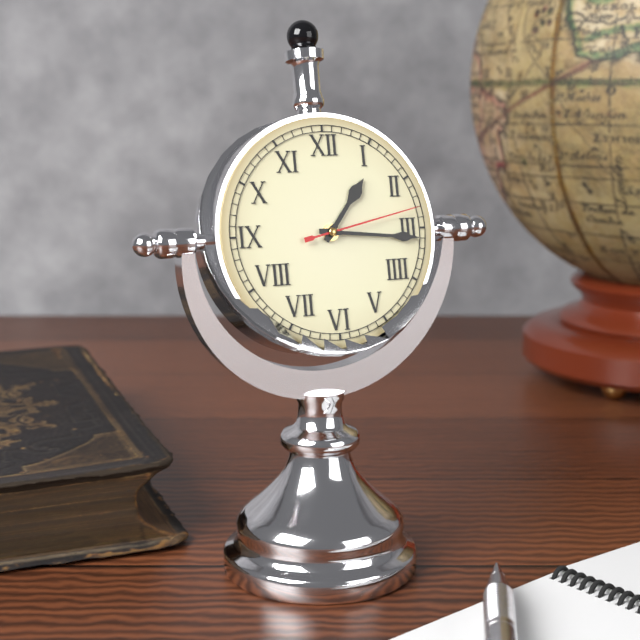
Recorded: 1,16,13
